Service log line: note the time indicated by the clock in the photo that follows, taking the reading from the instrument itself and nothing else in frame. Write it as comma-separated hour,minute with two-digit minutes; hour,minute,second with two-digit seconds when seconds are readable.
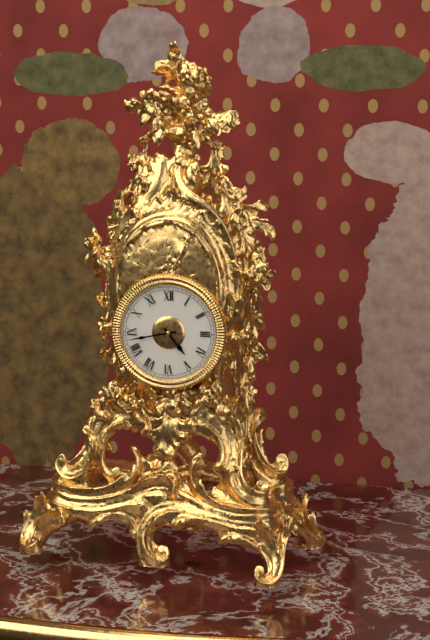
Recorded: 4,43
